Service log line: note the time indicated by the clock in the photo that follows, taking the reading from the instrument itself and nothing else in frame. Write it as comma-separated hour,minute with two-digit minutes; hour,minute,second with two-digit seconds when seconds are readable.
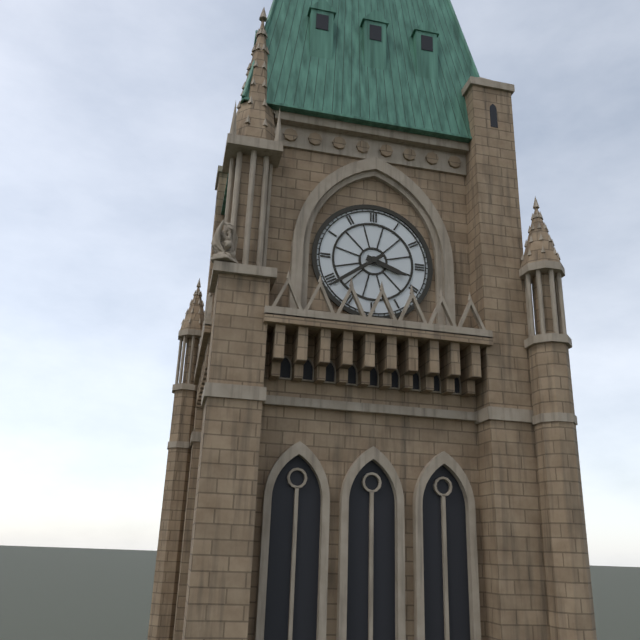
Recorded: 3,39
